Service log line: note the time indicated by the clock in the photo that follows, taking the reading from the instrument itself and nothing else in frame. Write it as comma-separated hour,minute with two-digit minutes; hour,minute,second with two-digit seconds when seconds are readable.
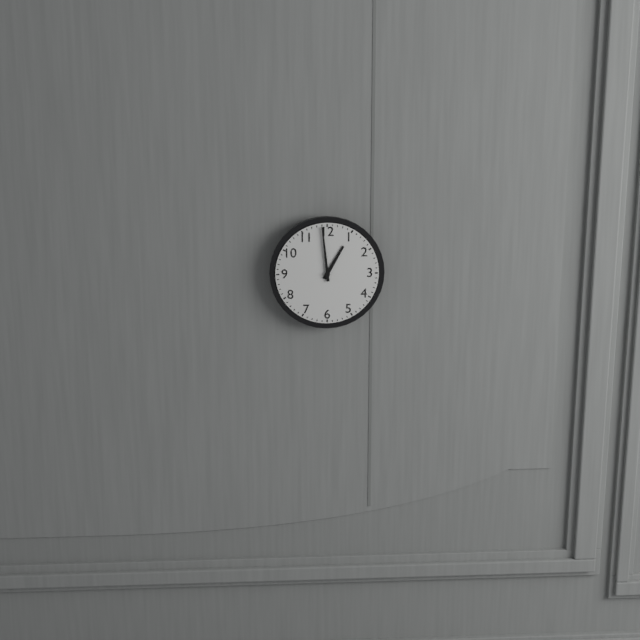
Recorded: 12,59
